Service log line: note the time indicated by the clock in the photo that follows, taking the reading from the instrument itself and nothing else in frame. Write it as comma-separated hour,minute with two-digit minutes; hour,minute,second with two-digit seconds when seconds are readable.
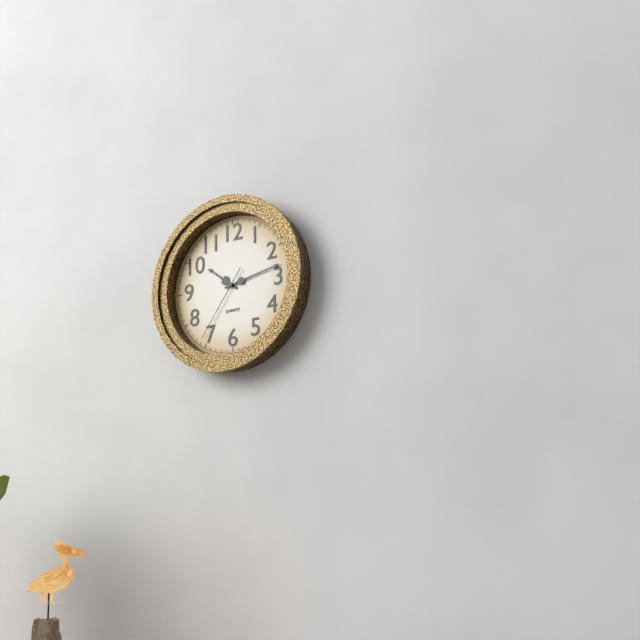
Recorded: 10,13,36
